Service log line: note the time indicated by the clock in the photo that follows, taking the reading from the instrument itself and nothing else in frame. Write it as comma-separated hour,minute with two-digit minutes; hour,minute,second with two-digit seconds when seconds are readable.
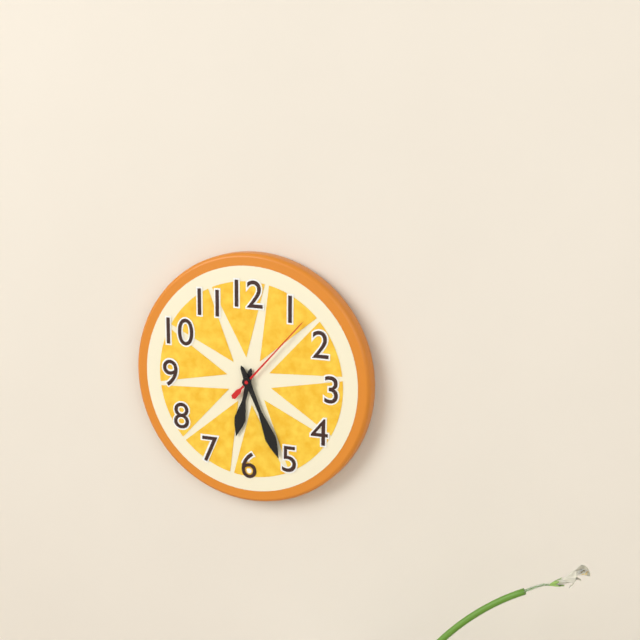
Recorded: 6,26,07
